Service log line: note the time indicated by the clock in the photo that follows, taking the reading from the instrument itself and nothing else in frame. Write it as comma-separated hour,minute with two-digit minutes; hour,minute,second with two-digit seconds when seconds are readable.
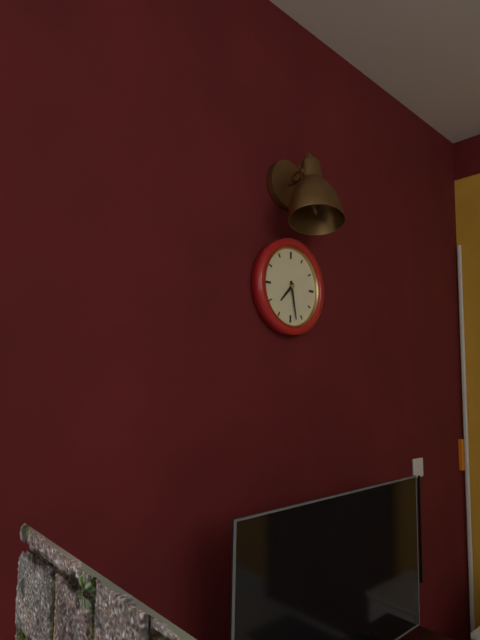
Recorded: 7,28
